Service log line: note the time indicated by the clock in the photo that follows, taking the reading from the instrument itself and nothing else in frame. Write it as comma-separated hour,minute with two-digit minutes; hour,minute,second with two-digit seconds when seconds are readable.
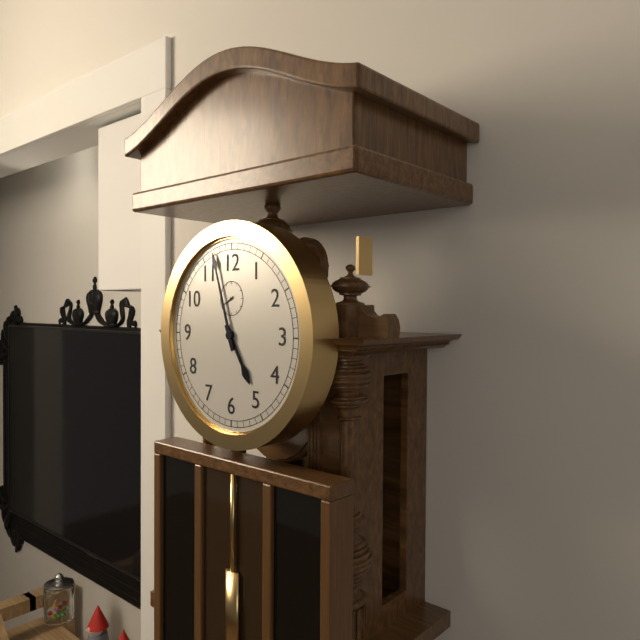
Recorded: 4,57
